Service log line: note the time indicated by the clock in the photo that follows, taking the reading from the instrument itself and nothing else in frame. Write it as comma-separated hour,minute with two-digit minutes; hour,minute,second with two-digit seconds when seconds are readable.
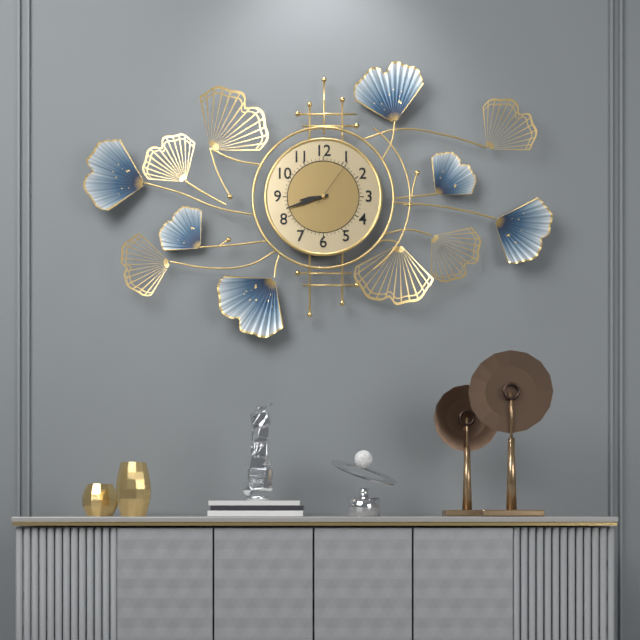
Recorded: 8,42,06
